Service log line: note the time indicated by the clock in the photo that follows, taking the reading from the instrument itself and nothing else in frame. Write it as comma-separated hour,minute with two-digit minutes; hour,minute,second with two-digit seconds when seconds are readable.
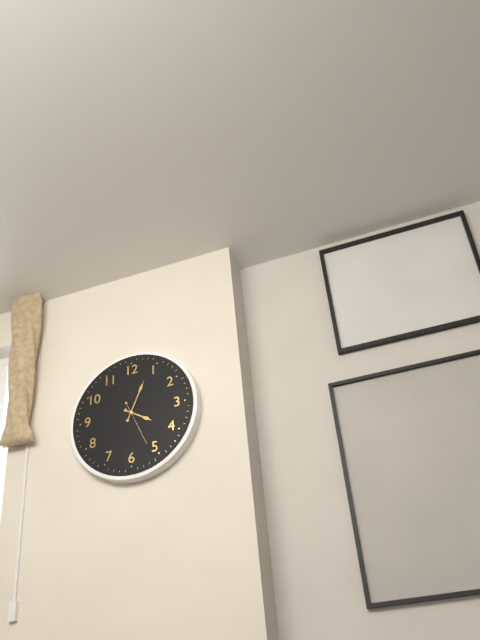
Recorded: 4,04
